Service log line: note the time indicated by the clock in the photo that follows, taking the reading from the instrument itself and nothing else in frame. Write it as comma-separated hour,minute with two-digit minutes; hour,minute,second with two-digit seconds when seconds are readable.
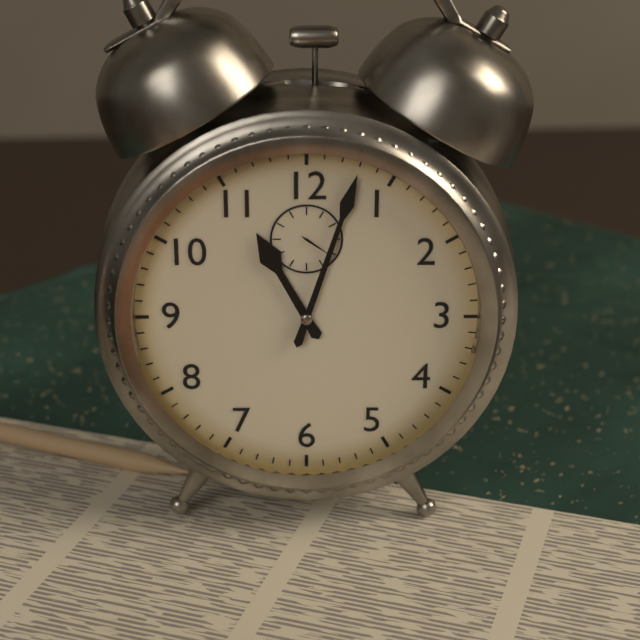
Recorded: 11,03
